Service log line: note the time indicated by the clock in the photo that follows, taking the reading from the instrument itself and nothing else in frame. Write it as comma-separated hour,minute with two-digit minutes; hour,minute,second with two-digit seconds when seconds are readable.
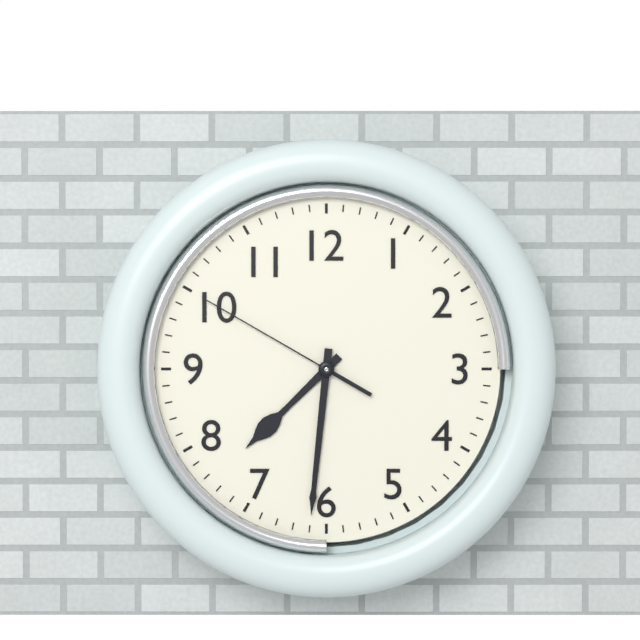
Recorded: 7,31,50
